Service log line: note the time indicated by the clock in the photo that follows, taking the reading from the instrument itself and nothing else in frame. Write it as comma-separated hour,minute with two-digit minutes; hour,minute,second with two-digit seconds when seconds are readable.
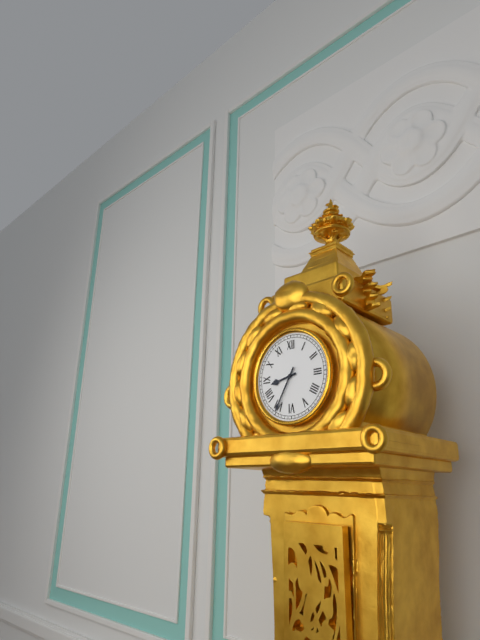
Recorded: 8,35
